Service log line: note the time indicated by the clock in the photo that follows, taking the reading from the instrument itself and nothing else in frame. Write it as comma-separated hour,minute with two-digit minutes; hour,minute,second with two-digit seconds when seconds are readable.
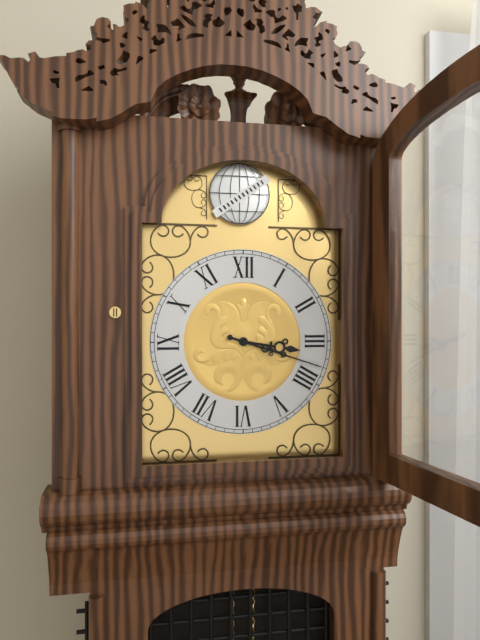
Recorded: 3,18
